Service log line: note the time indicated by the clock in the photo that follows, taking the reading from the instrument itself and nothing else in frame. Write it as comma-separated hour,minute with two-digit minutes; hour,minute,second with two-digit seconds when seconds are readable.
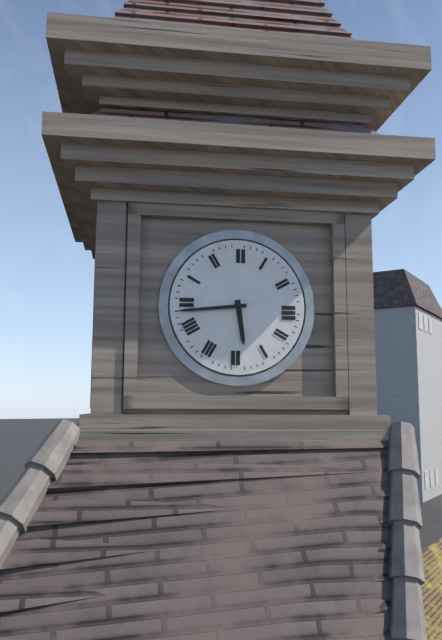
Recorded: 5,44
